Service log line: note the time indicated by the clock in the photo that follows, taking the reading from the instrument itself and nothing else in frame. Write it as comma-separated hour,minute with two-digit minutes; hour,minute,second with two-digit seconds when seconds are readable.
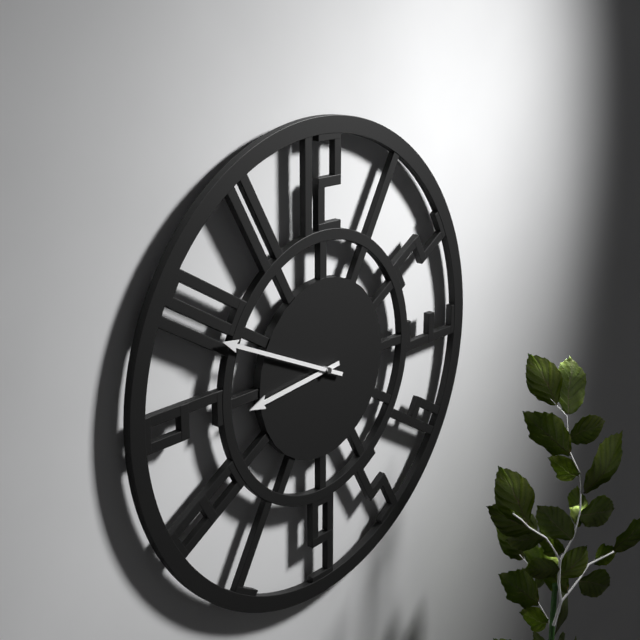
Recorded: 8,49
